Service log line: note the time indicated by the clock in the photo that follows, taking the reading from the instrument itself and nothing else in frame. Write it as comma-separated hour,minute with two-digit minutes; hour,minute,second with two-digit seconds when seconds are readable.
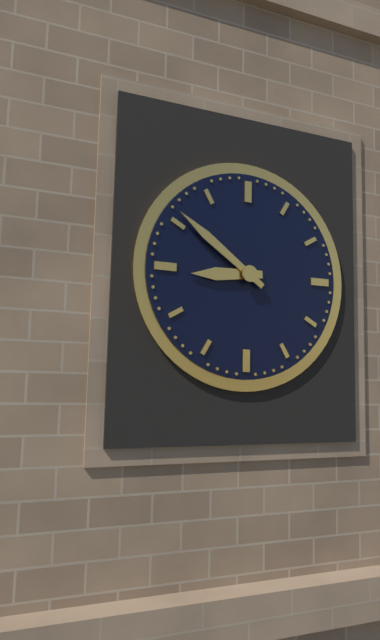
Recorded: 8,51
